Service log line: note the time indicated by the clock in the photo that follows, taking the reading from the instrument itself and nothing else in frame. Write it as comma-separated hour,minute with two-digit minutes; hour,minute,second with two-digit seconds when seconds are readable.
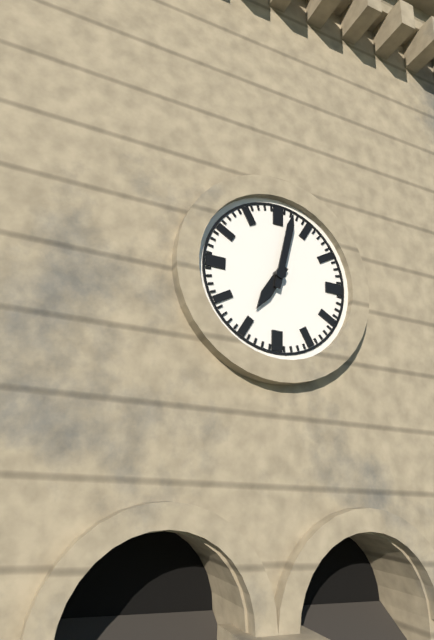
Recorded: 7,02
